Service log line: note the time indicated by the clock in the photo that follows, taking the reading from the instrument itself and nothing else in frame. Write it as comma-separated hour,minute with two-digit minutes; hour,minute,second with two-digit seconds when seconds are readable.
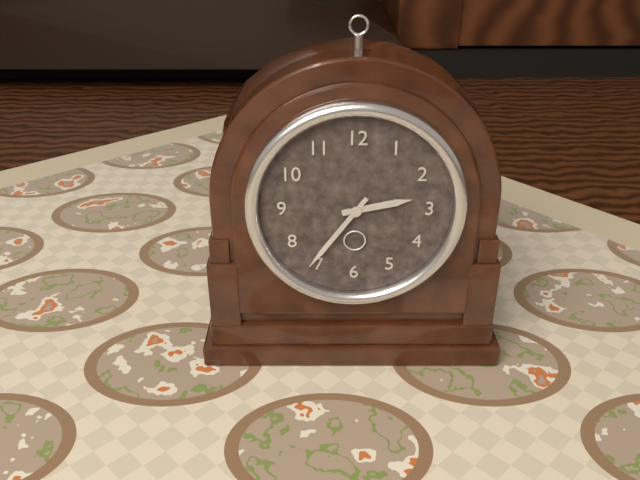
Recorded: 2,36
